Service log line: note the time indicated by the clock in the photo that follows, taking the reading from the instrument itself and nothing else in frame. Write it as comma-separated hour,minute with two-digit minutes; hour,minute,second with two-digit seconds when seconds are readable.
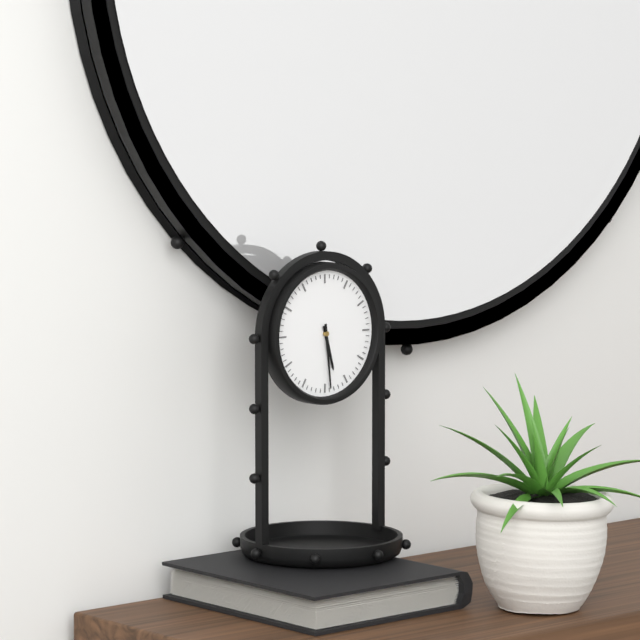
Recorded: 5,29
